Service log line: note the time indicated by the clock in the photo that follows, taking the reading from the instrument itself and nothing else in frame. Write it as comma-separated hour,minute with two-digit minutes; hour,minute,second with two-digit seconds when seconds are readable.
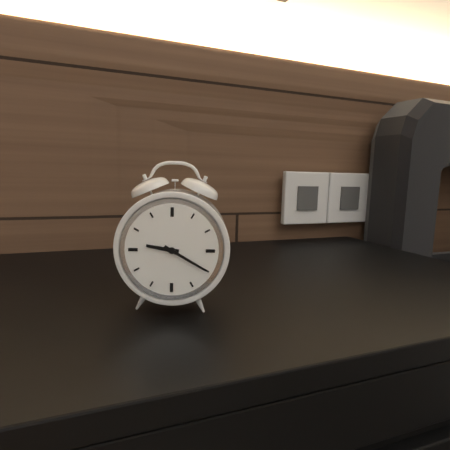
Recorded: 9,20
